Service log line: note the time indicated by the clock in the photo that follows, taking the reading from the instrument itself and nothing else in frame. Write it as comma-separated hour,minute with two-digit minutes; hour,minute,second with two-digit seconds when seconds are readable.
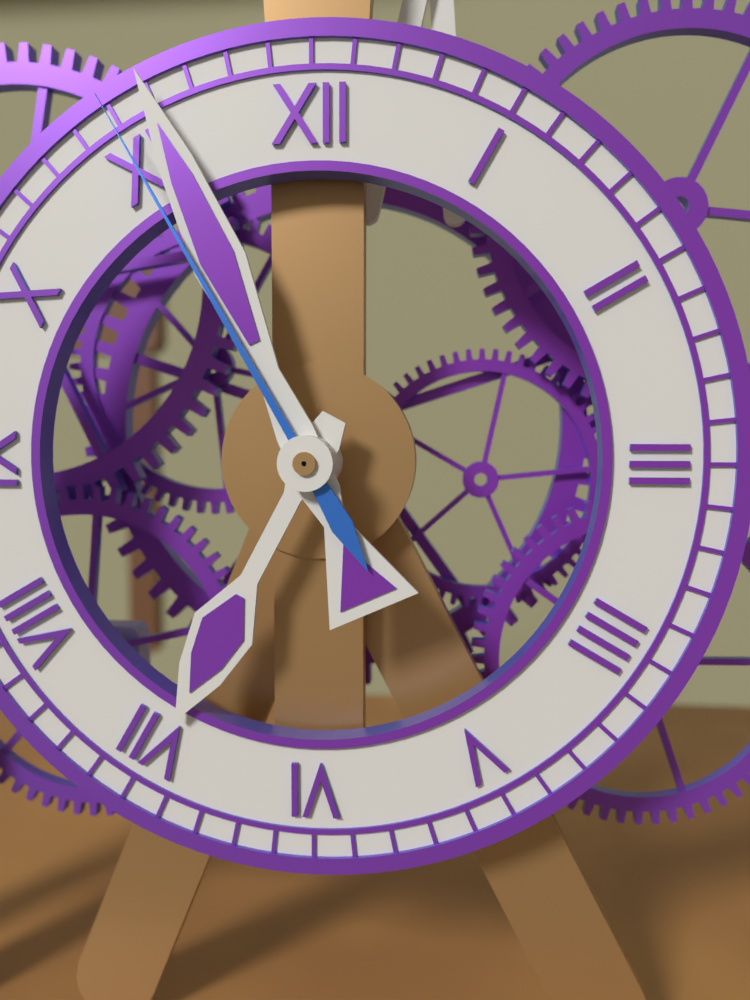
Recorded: 6,56,55
